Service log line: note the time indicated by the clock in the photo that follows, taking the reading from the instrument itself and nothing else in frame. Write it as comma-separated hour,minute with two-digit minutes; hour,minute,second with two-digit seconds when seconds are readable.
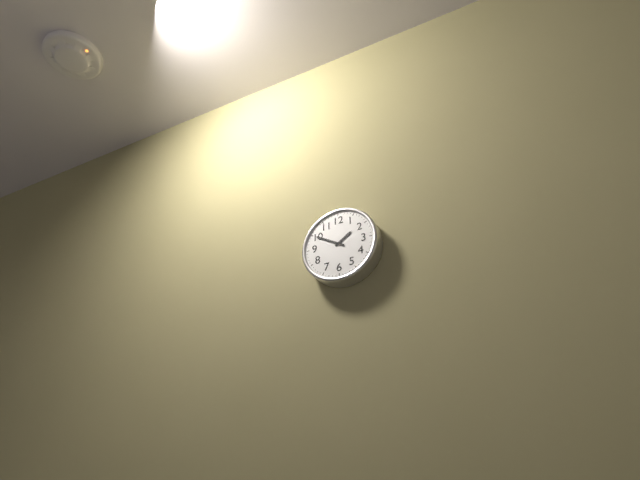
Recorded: 1,50
